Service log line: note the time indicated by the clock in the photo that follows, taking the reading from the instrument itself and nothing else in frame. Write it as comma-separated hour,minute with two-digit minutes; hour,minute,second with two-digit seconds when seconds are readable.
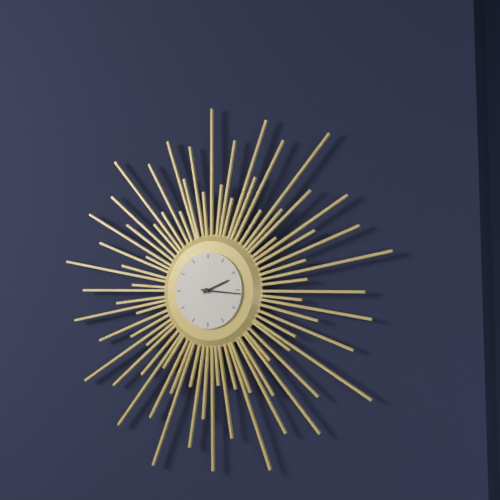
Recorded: 2,16
